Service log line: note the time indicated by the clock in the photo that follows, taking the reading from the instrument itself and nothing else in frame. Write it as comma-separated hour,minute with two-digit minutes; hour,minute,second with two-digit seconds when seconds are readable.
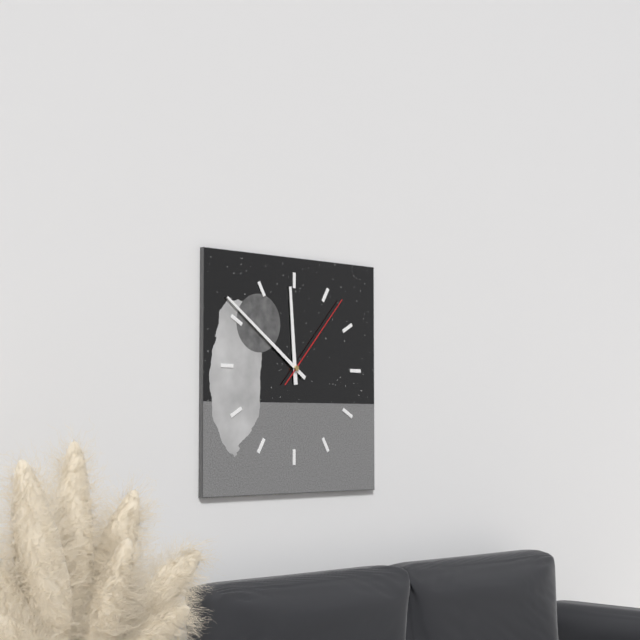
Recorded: 11,51,07
